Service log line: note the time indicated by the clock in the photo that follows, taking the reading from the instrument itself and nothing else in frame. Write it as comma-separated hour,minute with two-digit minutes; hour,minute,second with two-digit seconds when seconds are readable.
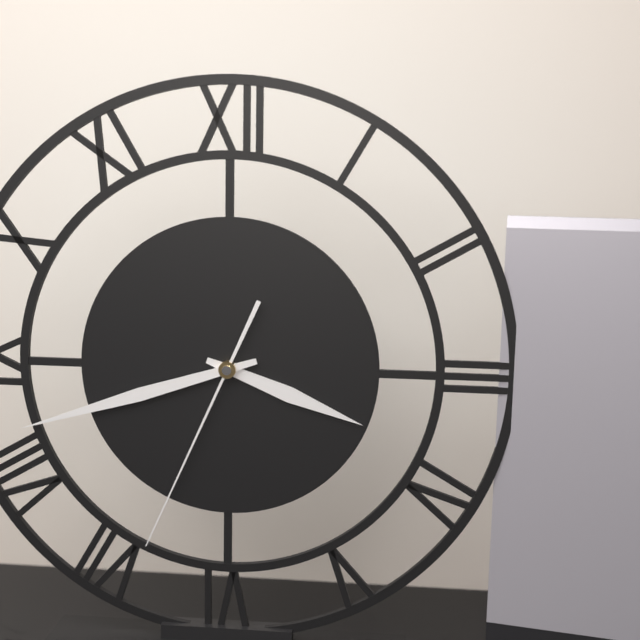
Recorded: 3,42,34
